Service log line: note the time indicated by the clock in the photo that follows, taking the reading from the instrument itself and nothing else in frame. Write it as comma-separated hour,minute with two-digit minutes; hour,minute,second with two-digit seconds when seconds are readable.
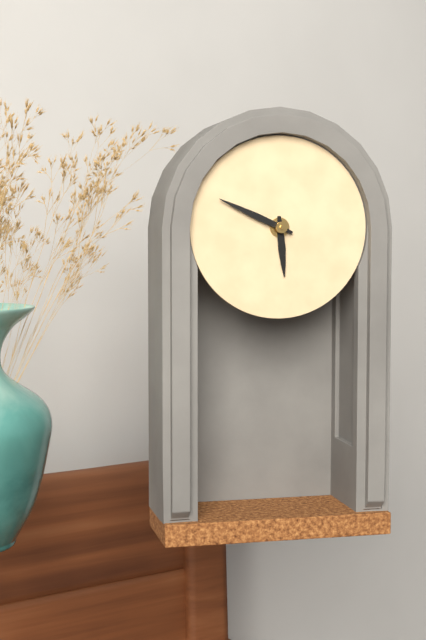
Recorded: 5,49
